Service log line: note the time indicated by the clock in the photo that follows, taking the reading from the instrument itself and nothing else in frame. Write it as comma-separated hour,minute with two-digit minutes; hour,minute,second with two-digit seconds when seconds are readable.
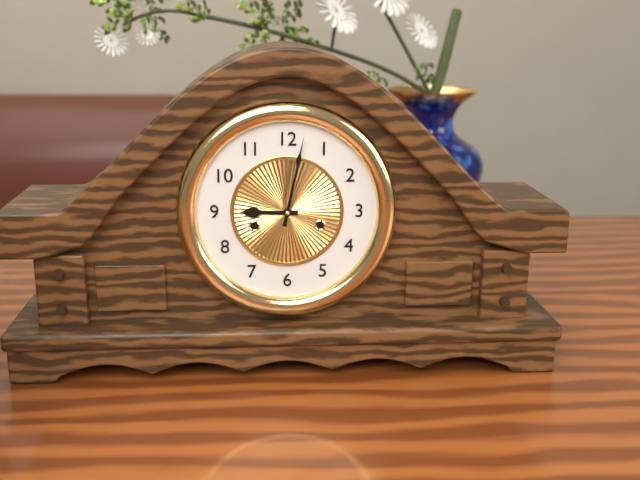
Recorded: 9,02
